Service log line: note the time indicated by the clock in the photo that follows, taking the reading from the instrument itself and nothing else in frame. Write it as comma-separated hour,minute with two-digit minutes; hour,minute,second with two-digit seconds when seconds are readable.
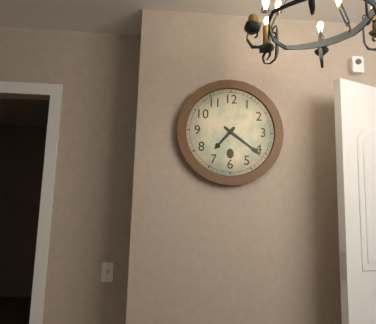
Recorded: 7,21
